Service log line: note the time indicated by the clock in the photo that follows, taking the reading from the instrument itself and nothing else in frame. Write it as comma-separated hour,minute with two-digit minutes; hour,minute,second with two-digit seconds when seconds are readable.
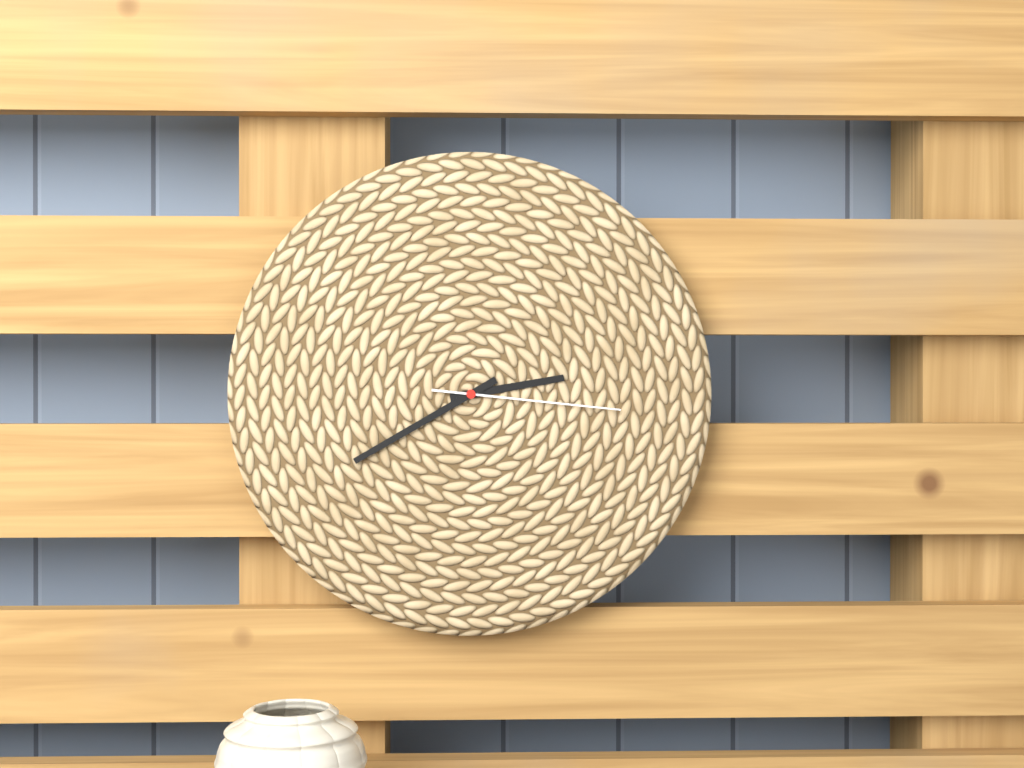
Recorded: 2,40,16
